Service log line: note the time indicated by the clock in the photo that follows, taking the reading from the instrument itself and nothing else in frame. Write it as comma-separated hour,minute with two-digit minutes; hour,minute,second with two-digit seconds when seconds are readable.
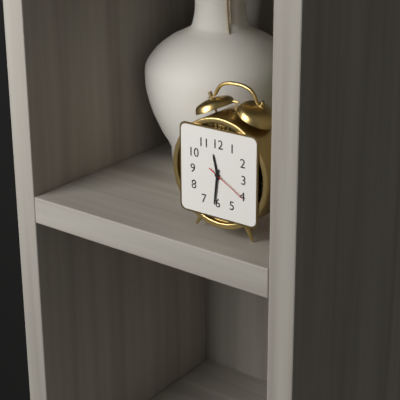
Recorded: 11,31
